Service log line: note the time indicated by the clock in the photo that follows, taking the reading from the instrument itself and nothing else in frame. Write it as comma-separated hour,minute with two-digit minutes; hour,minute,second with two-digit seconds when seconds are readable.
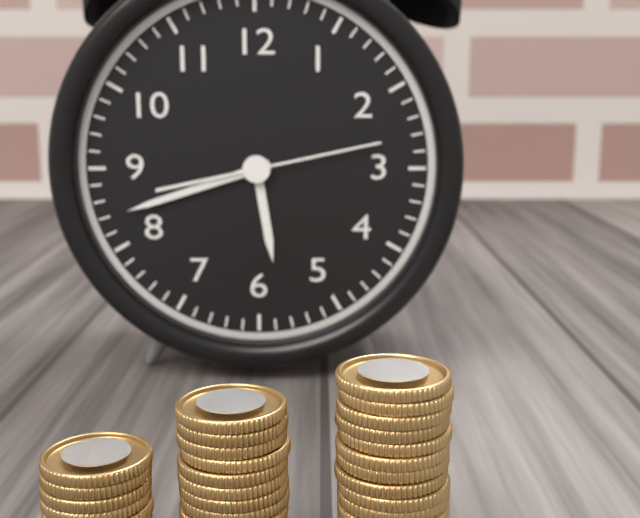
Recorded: 5,42,13
